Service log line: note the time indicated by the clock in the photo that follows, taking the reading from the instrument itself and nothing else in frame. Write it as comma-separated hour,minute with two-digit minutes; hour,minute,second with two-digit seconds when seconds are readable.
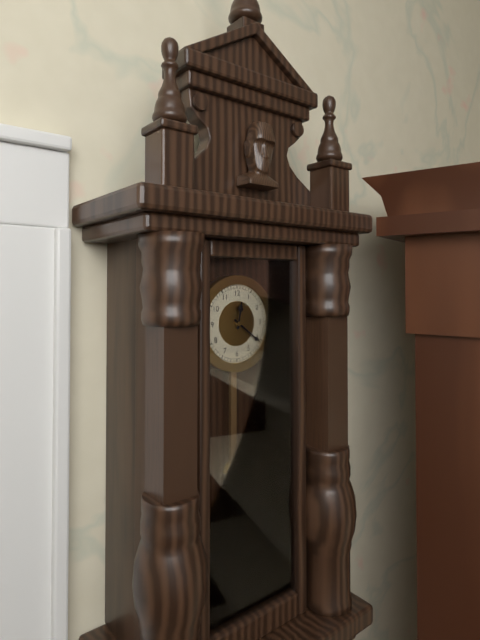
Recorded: 12,21
